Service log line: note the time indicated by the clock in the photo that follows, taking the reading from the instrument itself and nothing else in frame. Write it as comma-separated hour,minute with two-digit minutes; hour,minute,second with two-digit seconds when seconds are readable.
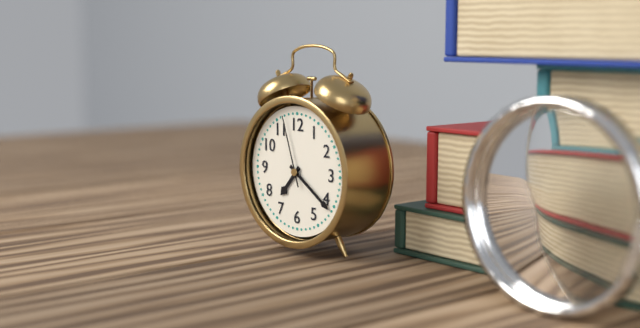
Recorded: 7,21,57
